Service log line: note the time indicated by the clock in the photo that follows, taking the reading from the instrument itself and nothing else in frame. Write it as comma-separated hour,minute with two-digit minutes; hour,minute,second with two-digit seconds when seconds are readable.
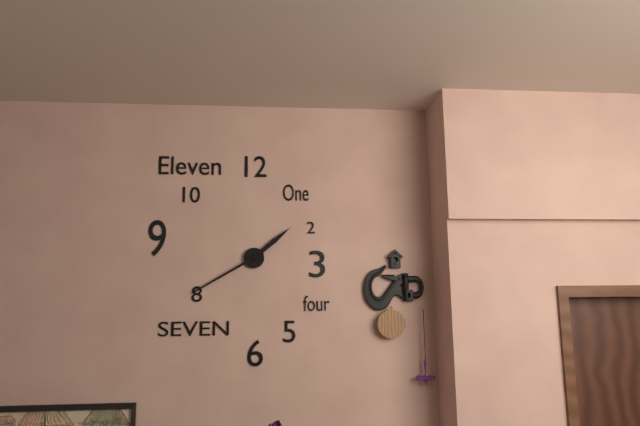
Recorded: 1,40
